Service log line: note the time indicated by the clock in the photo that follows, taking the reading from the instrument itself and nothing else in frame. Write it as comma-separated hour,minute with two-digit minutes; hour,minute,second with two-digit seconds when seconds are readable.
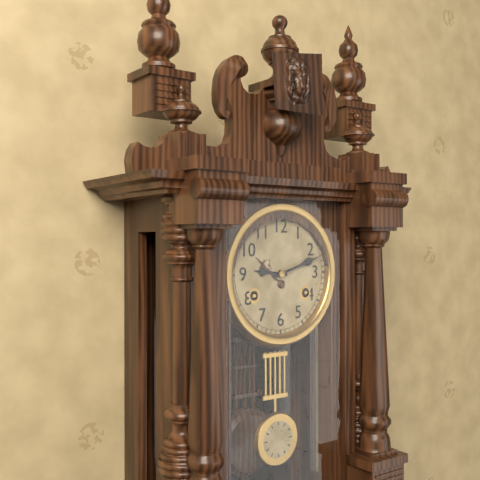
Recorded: 9,12
